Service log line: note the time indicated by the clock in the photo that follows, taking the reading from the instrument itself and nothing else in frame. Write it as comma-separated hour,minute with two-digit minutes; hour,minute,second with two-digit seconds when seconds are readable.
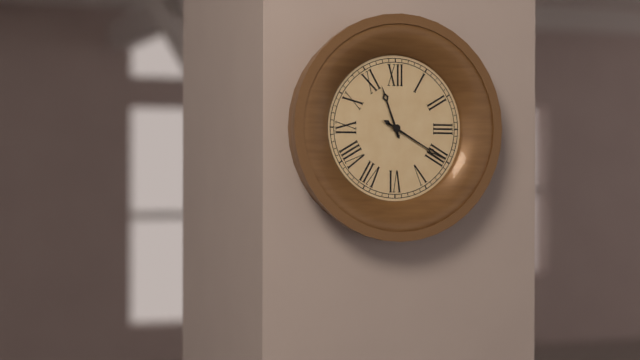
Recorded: 11,20
